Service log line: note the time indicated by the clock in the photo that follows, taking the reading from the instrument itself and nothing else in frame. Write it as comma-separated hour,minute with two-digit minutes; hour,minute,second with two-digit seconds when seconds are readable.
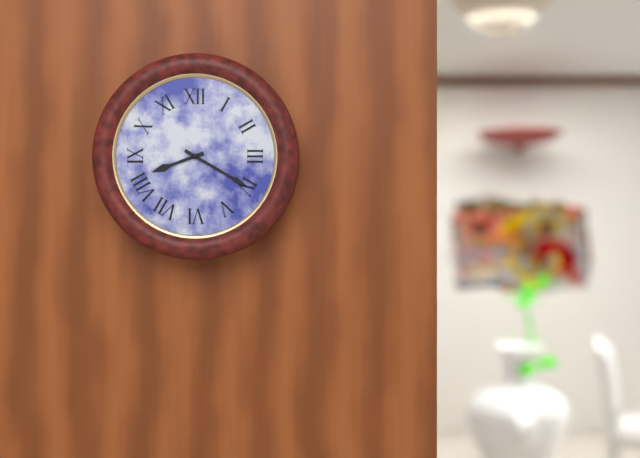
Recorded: 8,20
